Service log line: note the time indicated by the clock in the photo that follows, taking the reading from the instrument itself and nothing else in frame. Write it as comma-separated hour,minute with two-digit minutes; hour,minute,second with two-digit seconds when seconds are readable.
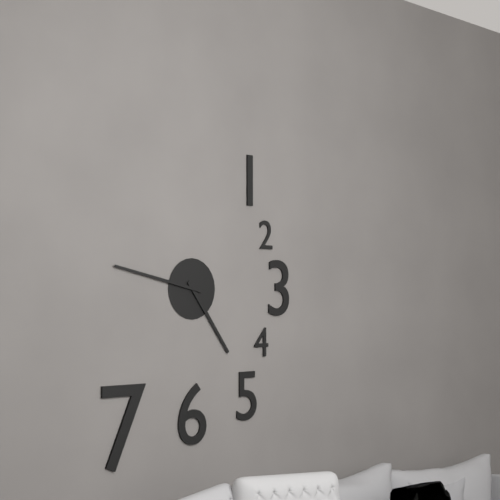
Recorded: 4,47
